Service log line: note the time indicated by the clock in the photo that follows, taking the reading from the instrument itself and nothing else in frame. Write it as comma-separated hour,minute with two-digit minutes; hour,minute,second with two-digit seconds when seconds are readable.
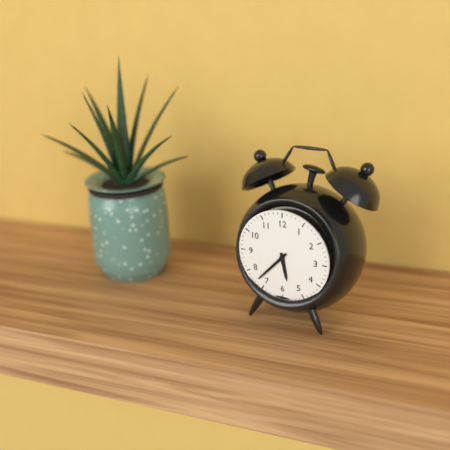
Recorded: 5,37
